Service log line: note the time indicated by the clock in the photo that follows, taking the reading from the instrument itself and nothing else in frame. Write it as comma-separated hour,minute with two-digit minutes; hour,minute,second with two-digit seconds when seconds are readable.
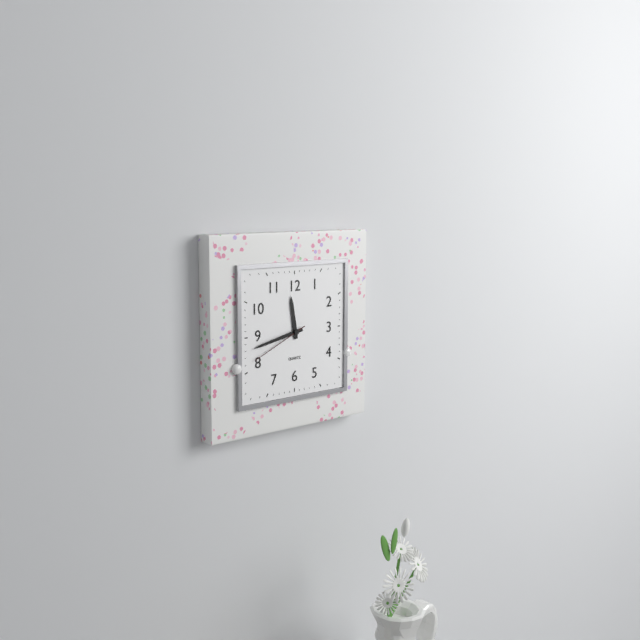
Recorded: 11,43,41
